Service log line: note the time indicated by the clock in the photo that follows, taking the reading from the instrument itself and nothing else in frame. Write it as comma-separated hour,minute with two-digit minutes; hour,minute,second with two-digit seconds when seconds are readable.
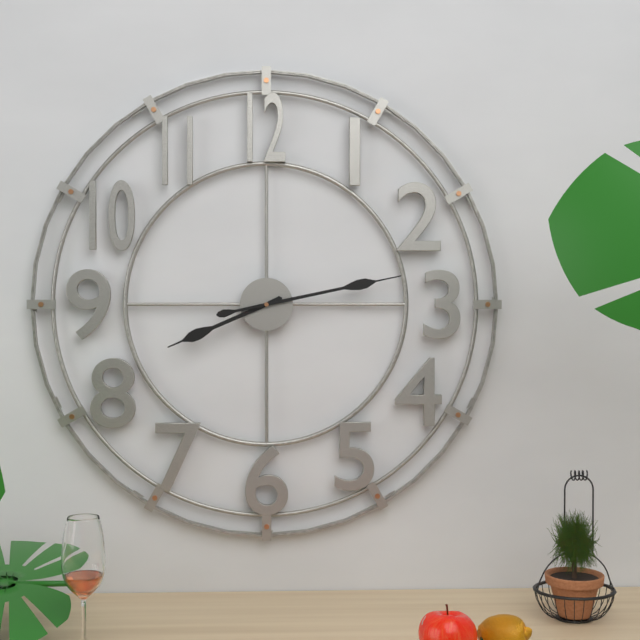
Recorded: 8,13
